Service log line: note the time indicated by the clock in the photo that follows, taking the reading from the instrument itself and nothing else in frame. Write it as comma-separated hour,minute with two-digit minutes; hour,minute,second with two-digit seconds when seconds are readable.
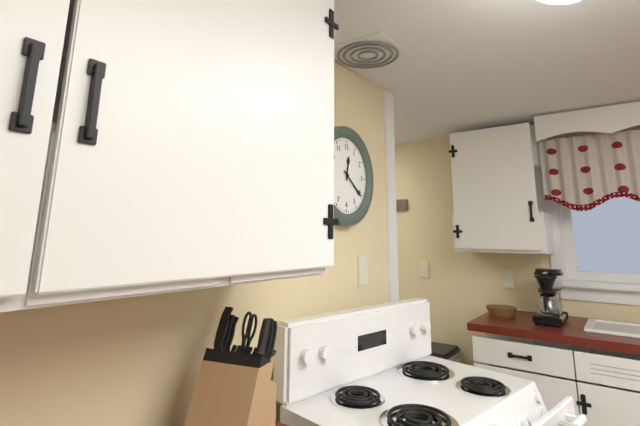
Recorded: 12,21
